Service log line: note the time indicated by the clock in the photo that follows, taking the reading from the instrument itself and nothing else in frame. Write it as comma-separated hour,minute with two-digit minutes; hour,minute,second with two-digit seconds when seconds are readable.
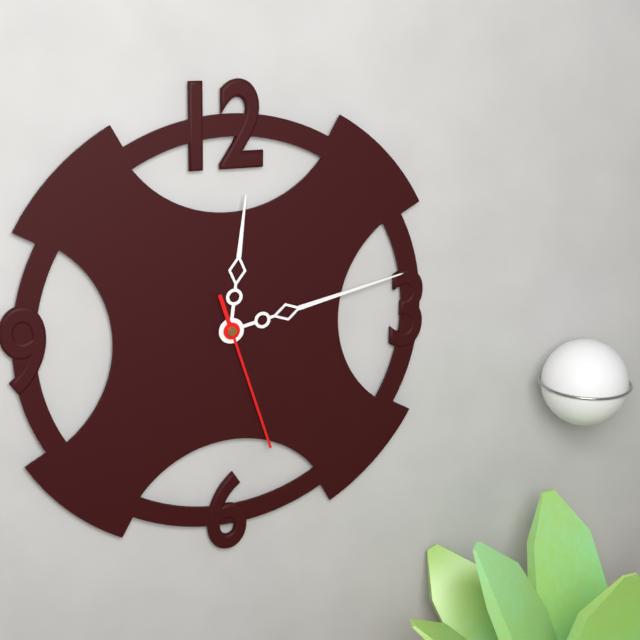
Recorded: 12,13,27
